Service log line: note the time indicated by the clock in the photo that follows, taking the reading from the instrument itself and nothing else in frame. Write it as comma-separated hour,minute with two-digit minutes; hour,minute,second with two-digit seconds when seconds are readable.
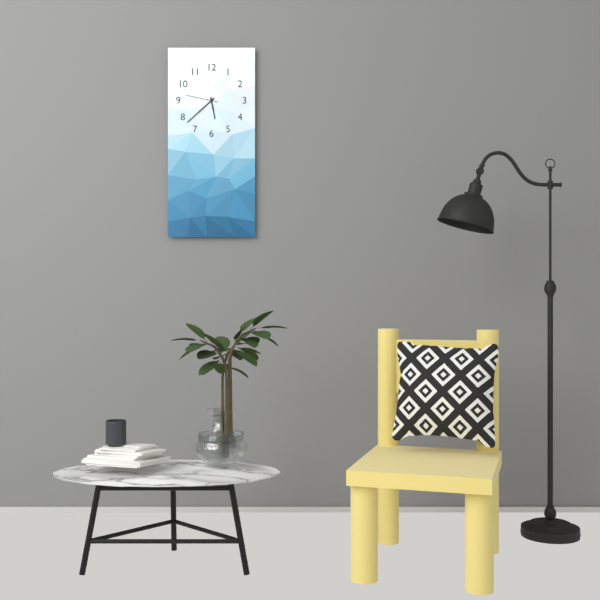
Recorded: 5,38
